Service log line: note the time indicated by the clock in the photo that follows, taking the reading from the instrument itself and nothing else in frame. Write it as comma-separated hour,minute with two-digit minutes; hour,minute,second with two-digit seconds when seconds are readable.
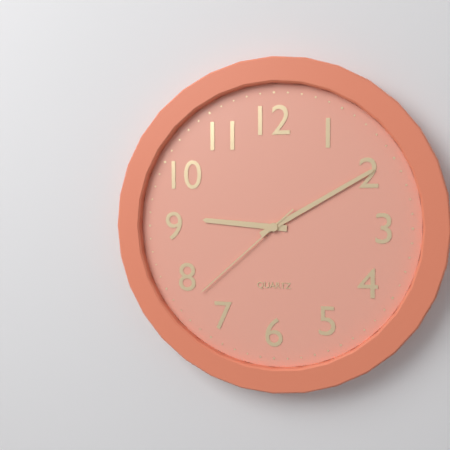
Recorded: 9,10,38
